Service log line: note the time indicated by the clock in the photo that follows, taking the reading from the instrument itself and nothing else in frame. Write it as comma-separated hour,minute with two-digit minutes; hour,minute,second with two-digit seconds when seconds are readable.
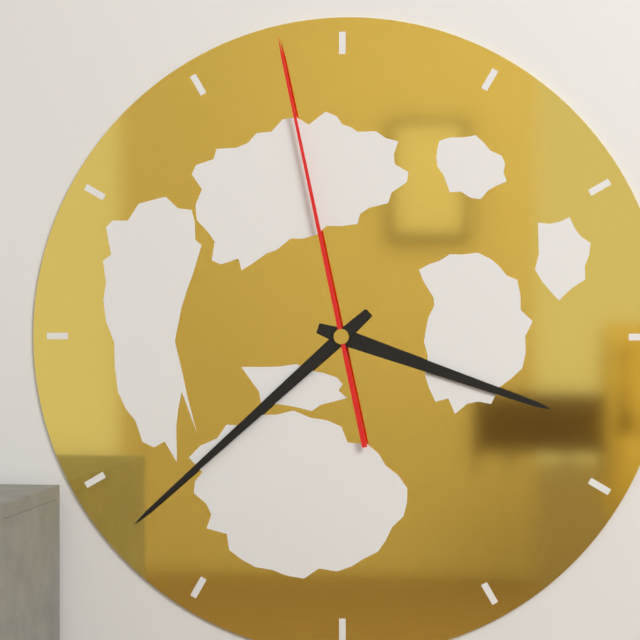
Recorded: 3,38,58
